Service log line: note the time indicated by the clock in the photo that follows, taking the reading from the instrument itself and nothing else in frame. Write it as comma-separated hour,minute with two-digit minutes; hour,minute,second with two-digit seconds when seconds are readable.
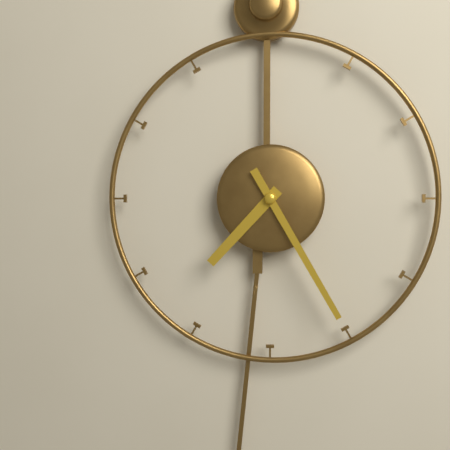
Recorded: 7,25
